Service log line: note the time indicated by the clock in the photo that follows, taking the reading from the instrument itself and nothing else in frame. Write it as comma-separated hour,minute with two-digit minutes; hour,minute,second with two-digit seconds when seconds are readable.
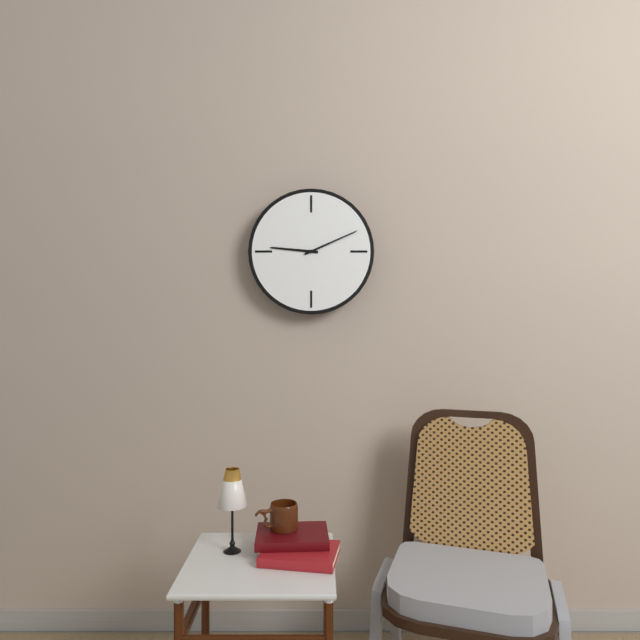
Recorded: 9,11
